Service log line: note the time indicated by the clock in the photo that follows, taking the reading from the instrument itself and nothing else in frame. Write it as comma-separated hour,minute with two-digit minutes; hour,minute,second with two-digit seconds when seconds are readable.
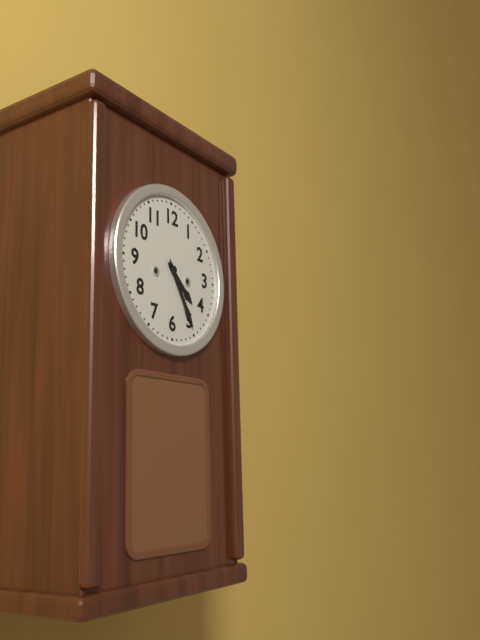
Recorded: 4,25
